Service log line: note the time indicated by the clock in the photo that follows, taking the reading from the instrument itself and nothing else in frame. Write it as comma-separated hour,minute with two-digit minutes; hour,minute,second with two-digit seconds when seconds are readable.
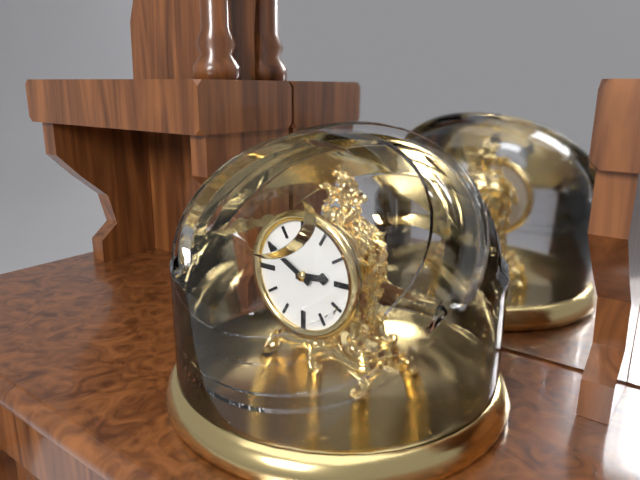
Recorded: 2,50
